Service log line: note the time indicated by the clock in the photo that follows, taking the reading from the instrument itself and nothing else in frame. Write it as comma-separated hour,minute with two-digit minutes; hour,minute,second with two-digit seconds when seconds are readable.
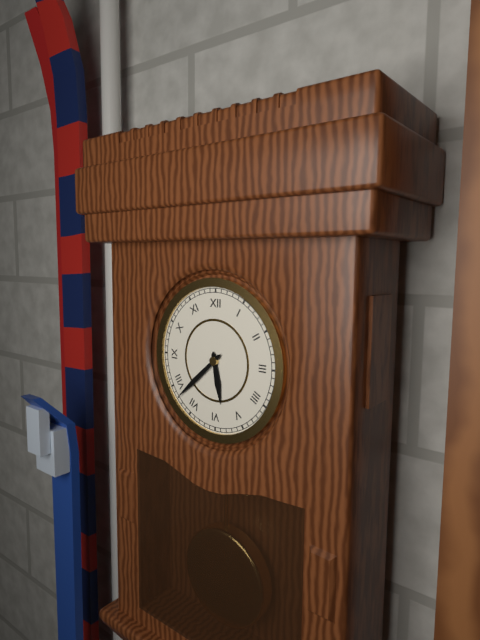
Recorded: 5,38
